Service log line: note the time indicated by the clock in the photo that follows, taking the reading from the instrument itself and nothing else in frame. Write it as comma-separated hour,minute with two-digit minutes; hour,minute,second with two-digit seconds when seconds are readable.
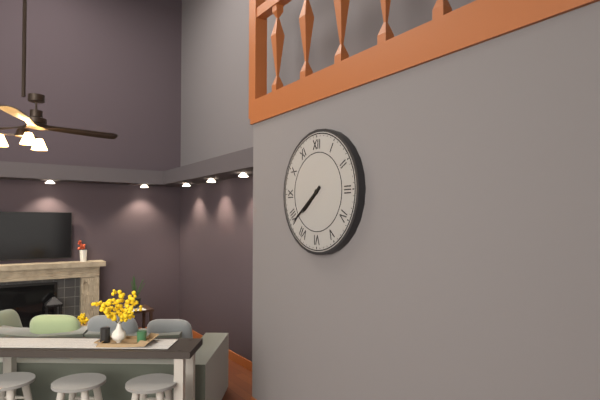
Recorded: 7,39
